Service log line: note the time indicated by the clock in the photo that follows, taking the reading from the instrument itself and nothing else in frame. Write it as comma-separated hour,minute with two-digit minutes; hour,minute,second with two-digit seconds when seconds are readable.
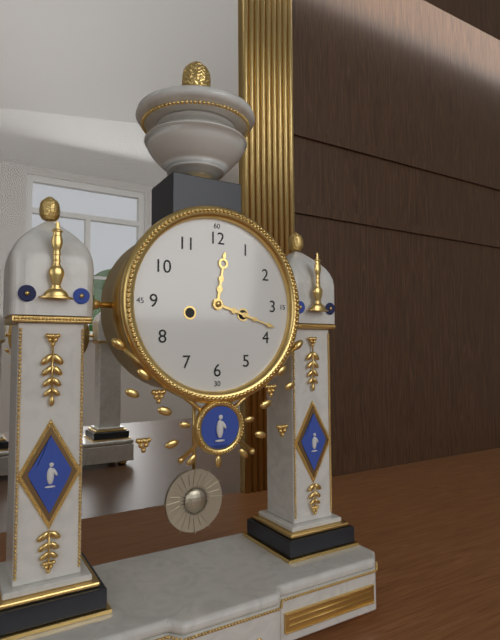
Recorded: 12,18
